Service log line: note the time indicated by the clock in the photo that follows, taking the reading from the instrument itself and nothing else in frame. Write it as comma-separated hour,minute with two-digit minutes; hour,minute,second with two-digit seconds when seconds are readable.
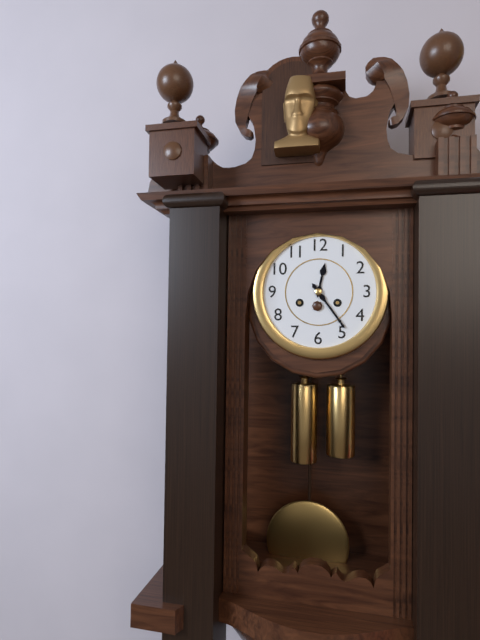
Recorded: 12,24
